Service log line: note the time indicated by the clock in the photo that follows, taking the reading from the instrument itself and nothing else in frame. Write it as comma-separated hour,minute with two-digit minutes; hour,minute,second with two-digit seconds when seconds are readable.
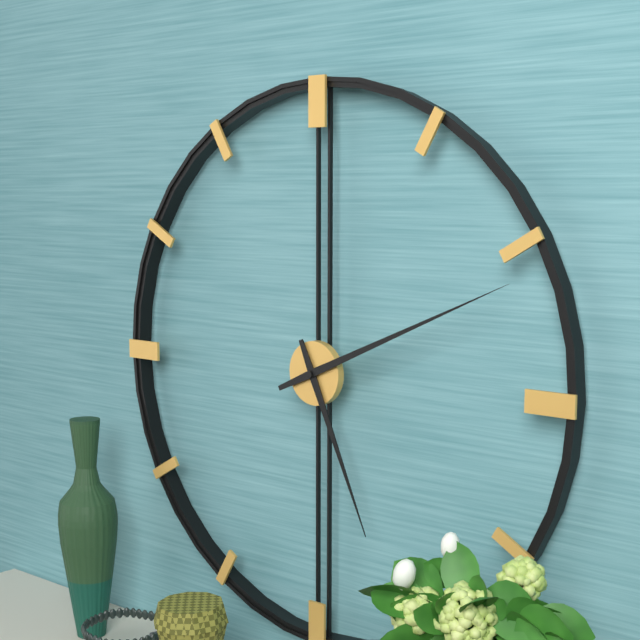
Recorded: 5,11
